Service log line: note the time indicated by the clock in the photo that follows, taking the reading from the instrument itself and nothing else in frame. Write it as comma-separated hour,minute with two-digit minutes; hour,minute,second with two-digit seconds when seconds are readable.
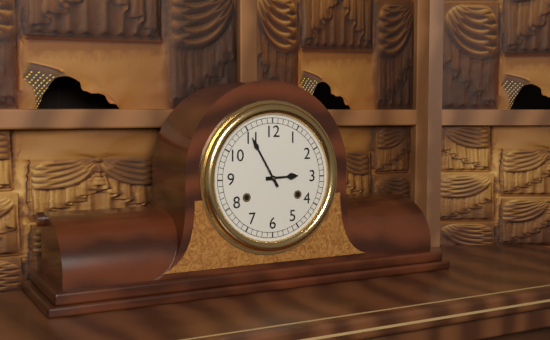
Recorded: 2,55
